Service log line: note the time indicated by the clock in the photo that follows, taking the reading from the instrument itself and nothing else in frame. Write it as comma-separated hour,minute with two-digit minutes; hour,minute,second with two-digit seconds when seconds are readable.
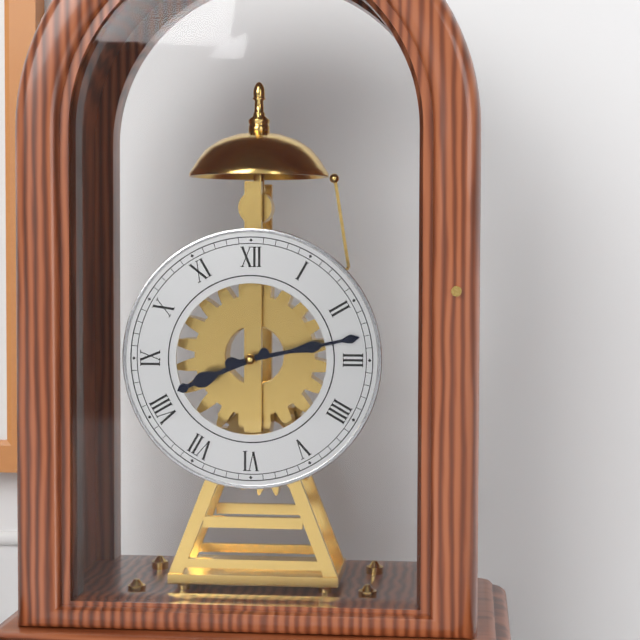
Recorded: 8,13
